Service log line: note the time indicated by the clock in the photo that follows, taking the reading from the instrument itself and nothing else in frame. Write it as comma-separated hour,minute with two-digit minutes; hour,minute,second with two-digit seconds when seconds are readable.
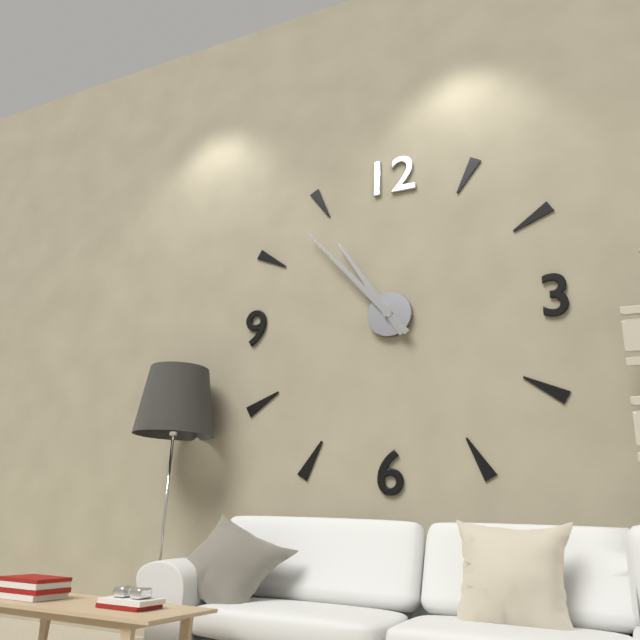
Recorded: 10,53
